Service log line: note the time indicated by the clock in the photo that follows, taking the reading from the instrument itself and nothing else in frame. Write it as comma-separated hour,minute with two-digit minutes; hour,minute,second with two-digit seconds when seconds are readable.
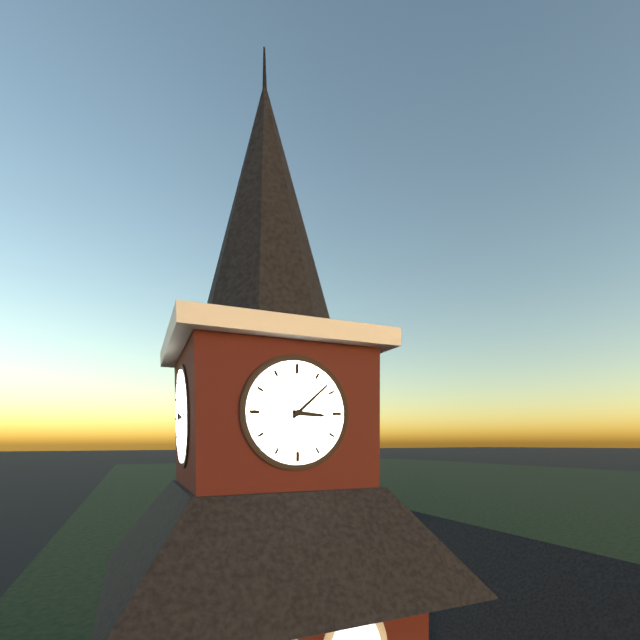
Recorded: 3,08
